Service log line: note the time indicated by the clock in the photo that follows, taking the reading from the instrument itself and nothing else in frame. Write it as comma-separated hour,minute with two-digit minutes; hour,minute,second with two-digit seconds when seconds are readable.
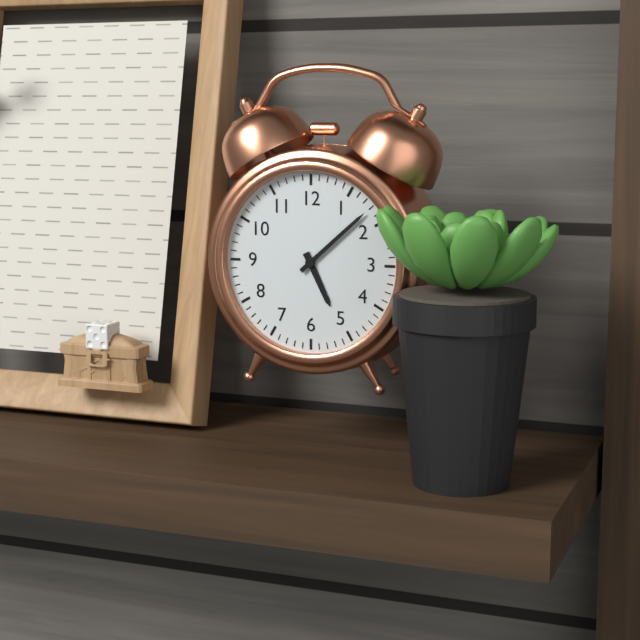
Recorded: 5,08
